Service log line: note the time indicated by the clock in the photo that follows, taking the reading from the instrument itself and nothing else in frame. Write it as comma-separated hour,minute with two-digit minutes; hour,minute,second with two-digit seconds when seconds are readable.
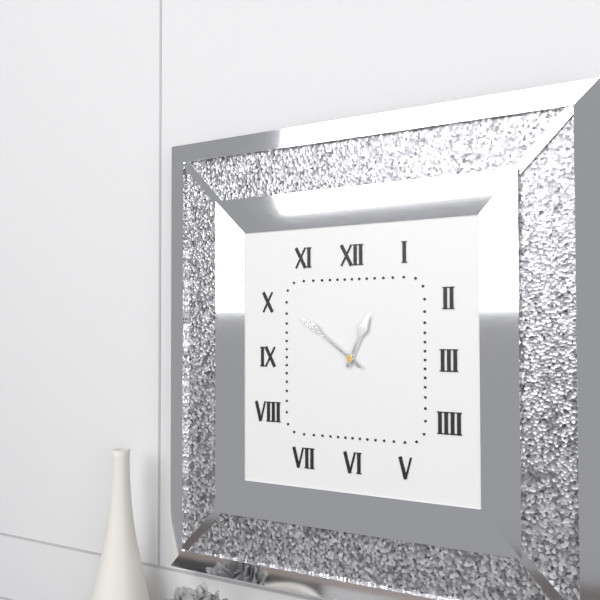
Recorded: 12,51
